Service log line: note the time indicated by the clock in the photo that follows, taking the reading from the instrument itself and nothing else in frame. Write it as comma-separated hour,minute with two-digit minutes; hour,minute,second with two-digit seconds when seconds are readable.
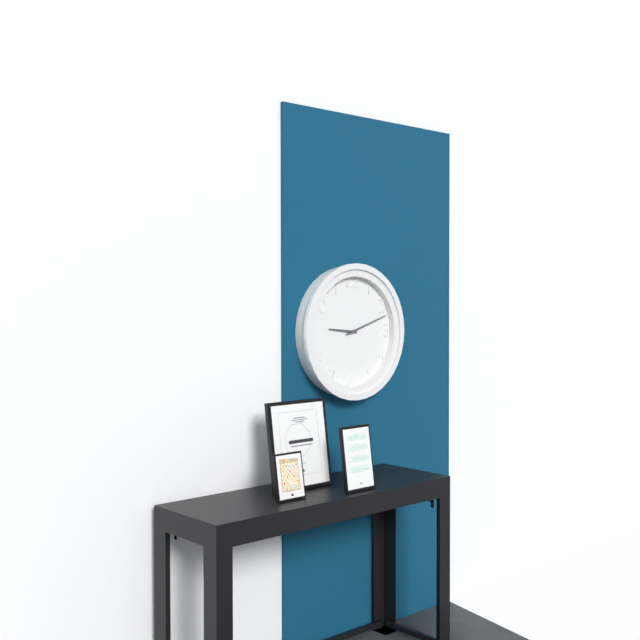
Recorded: 9,12
